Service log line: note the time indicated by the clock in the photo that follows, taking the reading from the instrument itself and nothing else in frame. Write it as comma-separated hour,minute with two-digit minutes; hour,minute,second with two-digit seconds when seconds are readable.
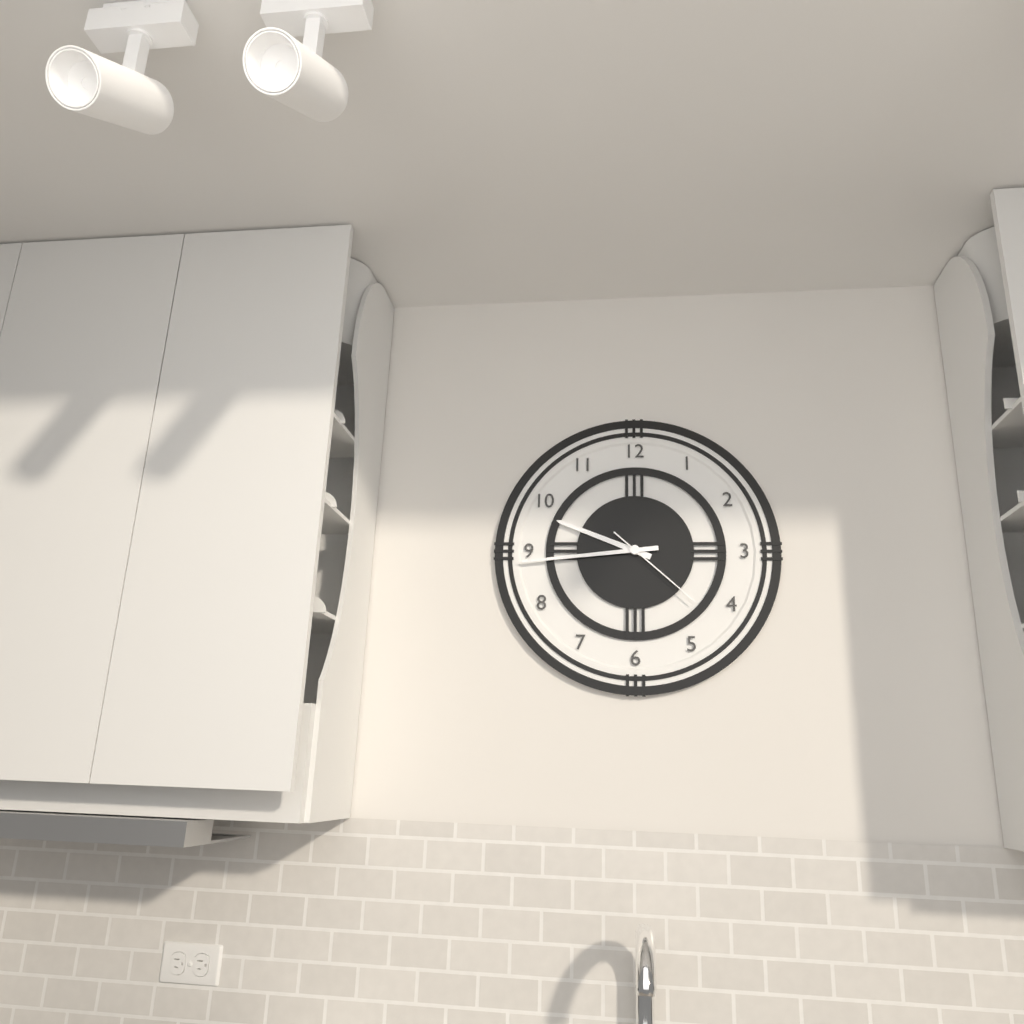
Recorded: 9,44,22
